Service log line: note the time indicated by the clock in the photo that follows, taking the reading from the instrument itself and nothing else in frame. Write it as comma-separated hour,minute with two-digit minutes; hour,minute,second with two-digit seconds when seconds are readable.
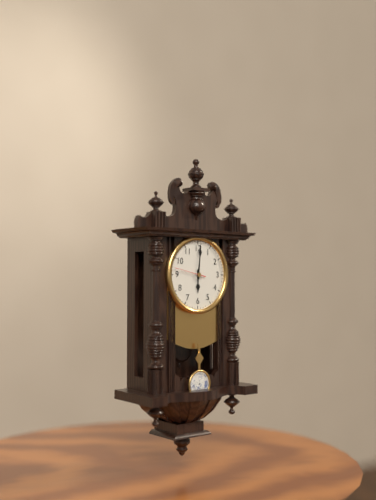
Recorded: 6,01
